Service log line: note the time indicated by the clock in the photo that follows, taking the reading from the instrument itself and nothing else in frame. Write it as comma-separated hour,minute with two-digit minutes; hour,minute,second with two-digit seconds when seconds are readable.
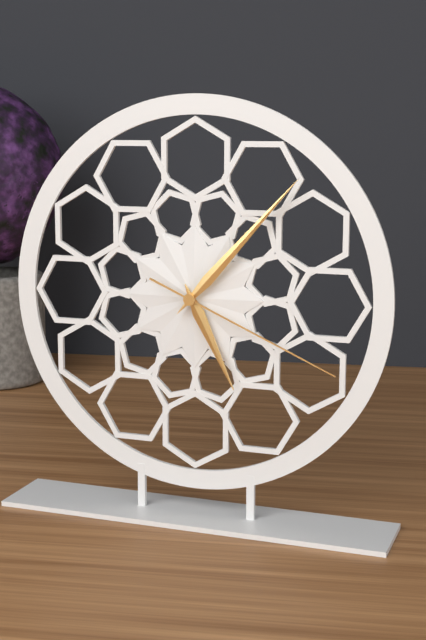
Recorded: 5,07,19
